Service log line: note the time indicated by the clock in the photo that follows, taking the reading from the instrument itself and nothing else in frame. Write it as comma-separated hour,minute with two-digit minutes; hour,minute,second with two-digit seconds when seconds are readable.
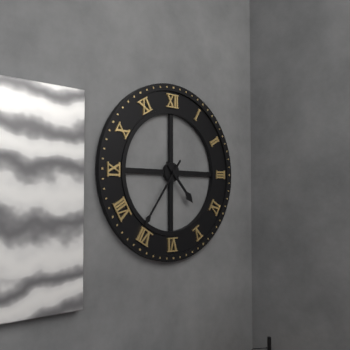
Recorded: 4,36
